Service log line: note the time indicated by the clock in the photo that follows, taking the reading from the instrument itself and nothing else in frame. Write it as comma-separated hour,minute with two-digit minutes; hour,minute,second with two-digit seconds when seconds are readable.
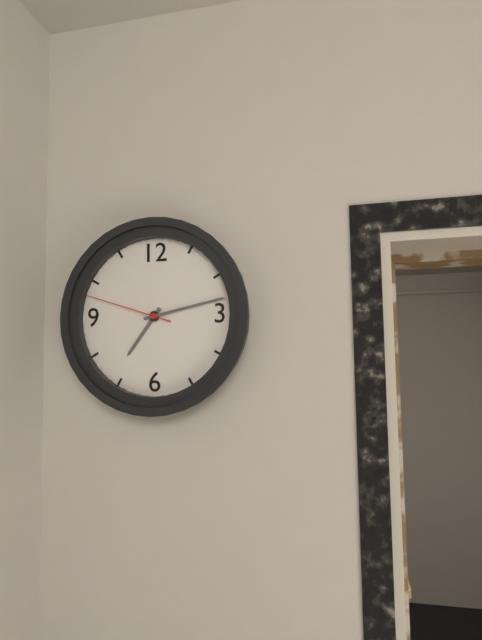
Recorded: 7,13,48
